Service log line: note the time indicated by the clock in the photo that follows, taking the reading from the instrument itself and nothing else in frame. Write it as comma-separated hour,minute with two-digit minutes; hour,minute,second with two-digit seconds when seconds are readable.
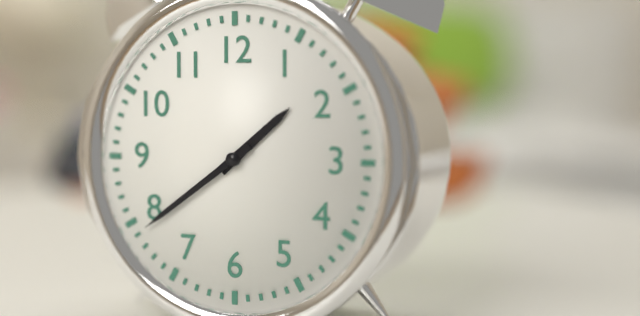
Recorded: 1,39
